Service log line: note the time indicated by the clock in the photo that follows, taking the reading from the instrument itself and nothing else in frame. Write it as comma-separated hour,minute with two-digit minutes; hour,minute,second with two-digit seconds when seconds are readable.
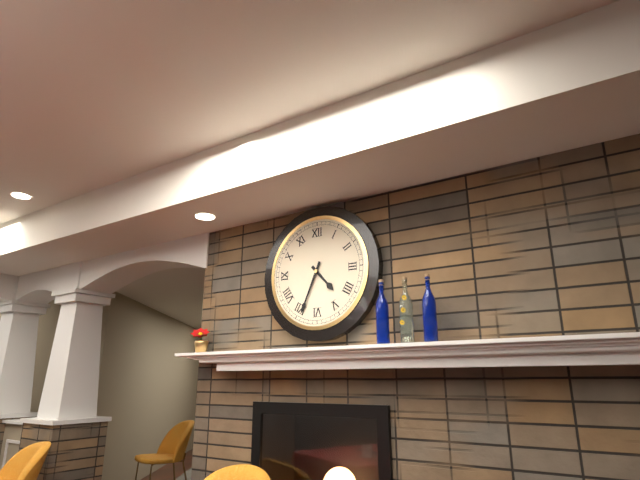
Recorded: 4,34
